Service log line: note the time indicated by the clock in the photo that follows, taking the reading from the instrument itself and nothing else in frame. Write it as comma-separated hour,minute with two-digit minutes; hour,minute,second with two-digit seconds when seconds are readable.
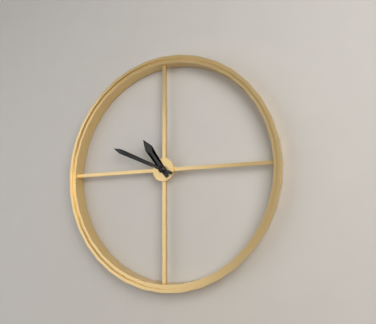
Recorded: 10,49
